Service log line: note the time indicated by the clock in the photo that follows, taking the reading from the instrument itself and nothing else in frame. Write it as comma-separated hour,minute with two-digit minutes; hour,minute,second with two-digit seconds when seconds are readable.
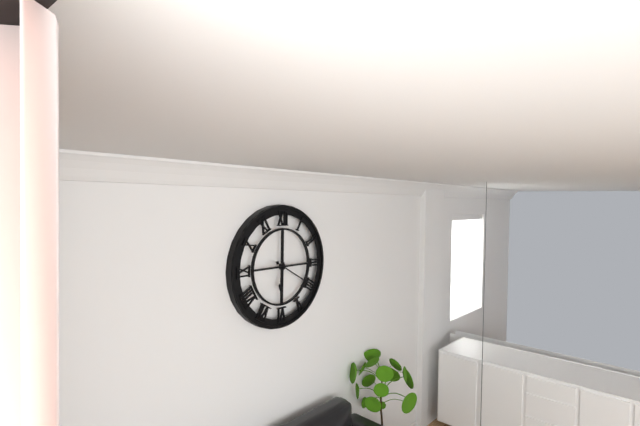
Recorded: 6,20
